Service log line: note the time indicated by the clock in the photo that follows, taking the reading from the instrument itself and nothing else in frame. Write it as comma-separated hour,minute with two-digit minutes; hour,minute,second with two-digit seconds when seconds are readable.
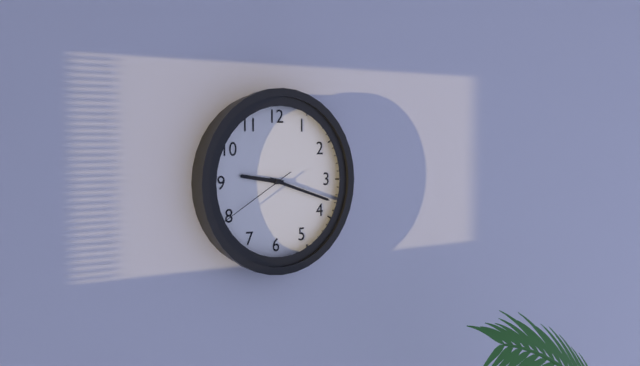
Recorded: 9,18,40
